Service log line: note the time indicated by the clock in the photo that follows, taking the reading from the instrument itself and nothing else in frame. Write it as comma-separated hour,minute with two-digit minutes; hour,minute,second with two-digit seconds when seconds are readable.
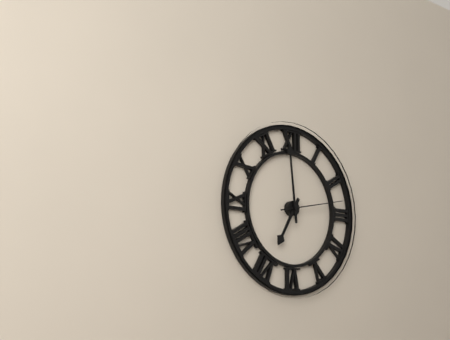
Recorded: 6,59,13
